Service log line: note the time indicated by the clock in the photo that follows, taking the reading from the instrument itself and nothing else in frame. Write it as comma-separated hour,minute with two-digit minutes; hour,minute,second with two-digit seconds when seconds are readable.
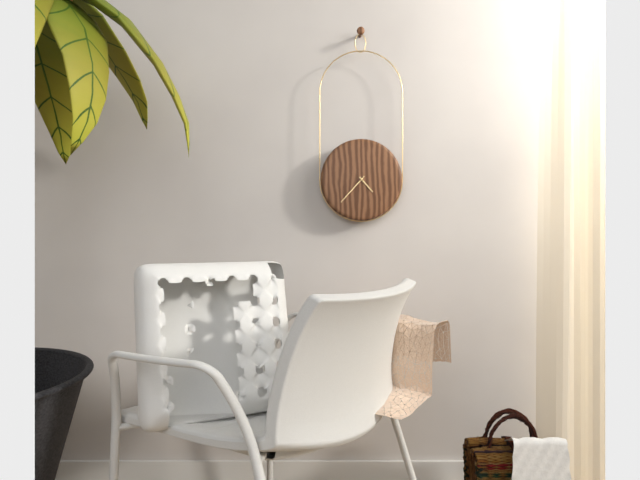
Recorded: 4,37
